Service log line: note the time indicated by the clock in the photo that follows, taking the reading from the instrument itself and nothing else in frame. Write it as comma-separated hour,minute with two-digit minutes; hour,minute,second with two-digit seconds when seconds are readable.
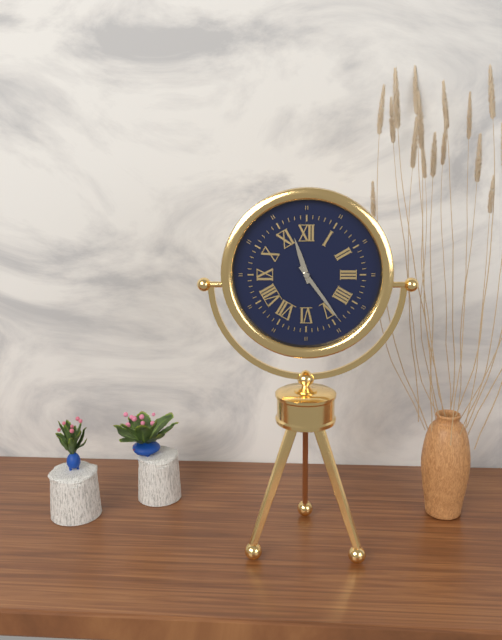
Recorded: 11,24
